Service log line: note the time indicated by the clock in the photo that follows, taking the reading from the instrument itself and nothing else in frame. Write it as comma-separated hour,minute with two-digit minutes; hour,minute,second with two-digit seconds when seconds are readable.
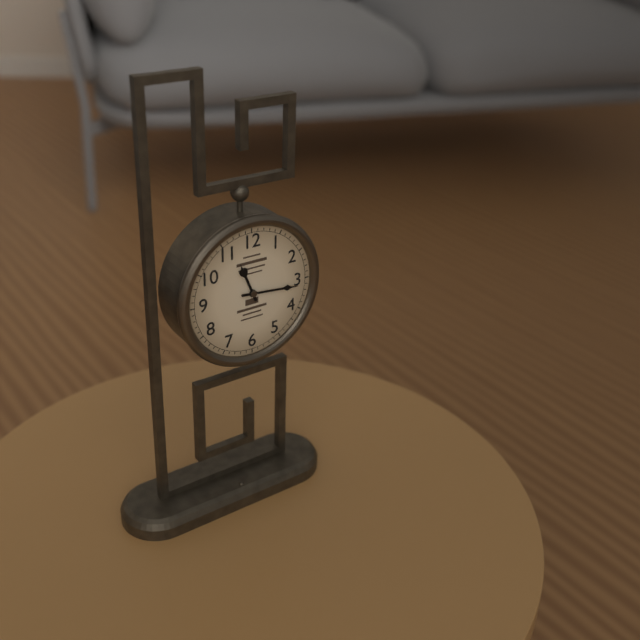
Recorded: 11,16
